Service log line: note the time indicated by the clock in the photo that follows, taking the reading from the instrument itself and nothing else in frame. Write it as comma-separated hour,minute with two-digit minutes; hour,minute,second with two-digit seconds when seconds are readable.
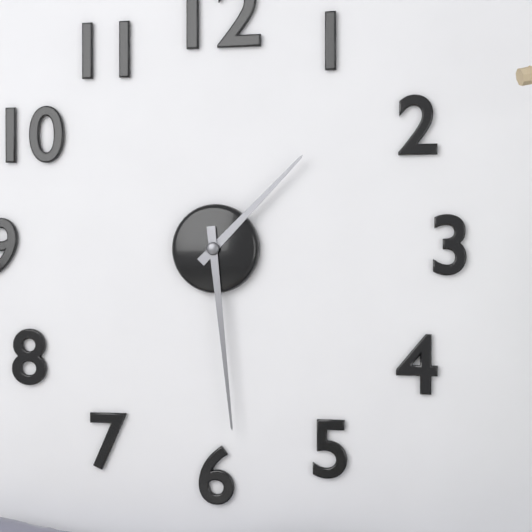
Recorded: 1,29
